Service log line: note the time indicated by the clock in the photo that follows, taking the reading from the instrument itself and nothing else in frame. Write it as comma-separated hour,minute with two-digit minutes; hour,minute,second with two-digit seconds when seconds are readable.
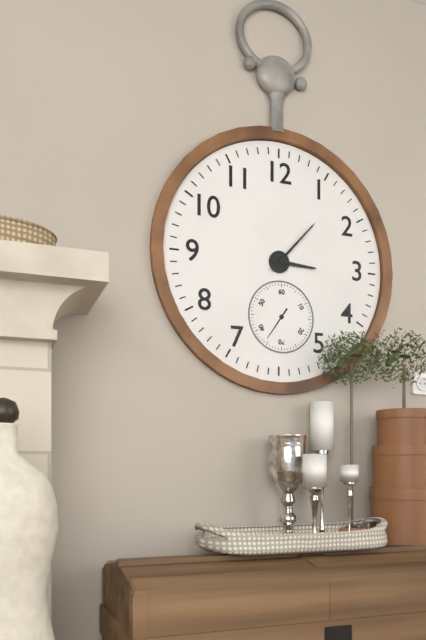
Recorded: 3,07
